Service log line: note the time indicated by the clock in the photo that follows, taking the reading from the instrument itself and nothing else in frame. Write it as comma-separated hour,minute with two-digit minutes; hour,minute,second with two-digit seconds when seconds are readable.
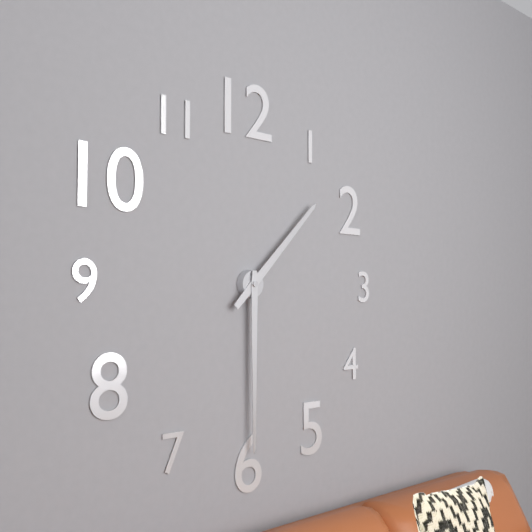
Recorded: 1,30
